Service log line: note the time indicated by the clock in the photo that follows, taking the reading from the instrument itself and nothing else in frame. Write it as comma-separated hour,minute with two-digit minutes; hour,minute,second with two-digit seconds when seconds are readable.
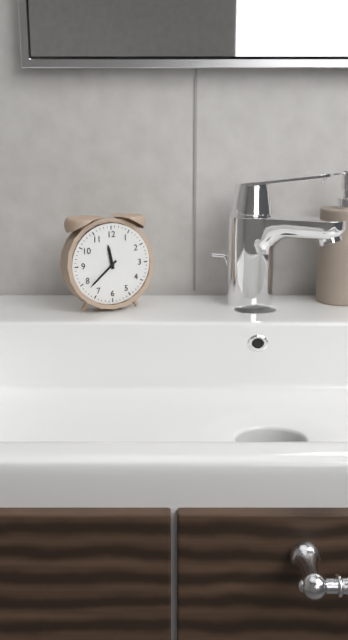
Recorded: 11,38
